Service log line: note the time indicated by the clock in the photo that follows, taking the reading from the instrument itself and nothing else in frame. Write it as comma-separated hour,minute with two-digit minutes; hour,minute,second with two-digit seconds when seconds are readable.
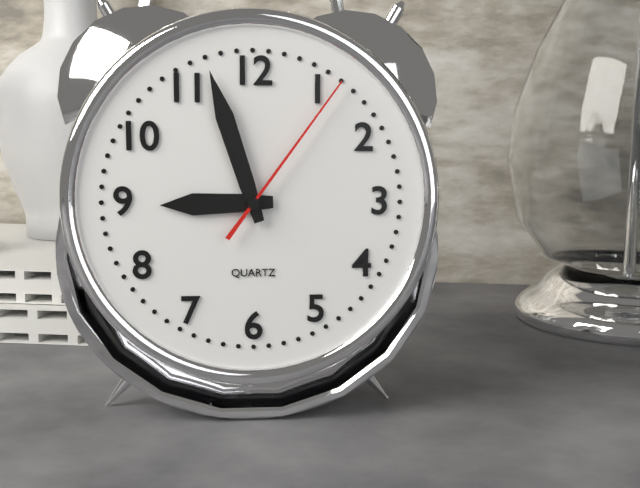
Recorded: 8,57,06
